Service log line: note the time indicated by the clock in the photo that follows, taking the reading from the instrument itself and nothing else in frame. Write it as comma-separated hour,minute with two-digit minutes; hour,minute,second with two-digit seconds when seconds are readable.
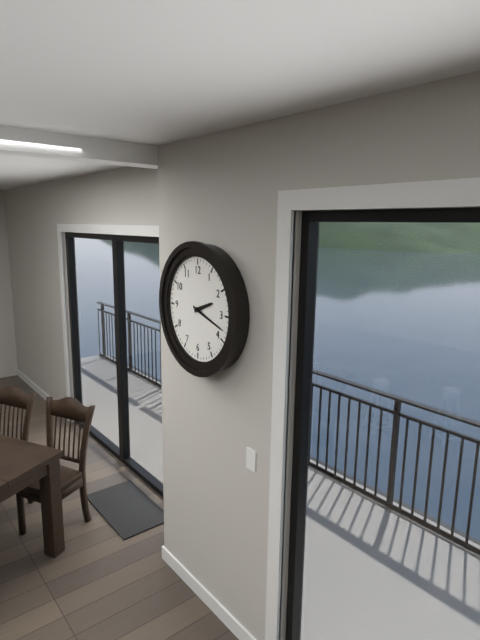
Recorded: 2,18
